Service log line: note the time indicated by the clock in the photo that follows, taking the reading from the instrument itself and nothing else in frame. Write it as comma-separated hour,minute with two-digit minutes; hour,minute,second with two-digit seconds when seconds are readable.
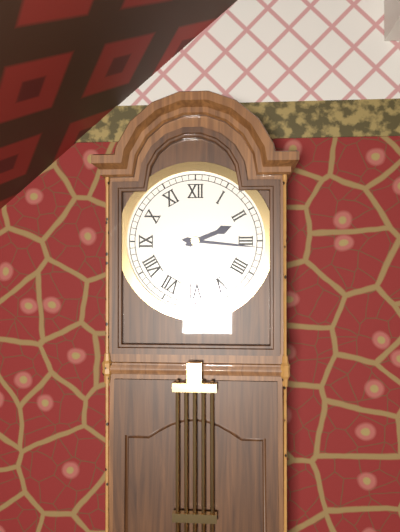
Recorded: 2,16
